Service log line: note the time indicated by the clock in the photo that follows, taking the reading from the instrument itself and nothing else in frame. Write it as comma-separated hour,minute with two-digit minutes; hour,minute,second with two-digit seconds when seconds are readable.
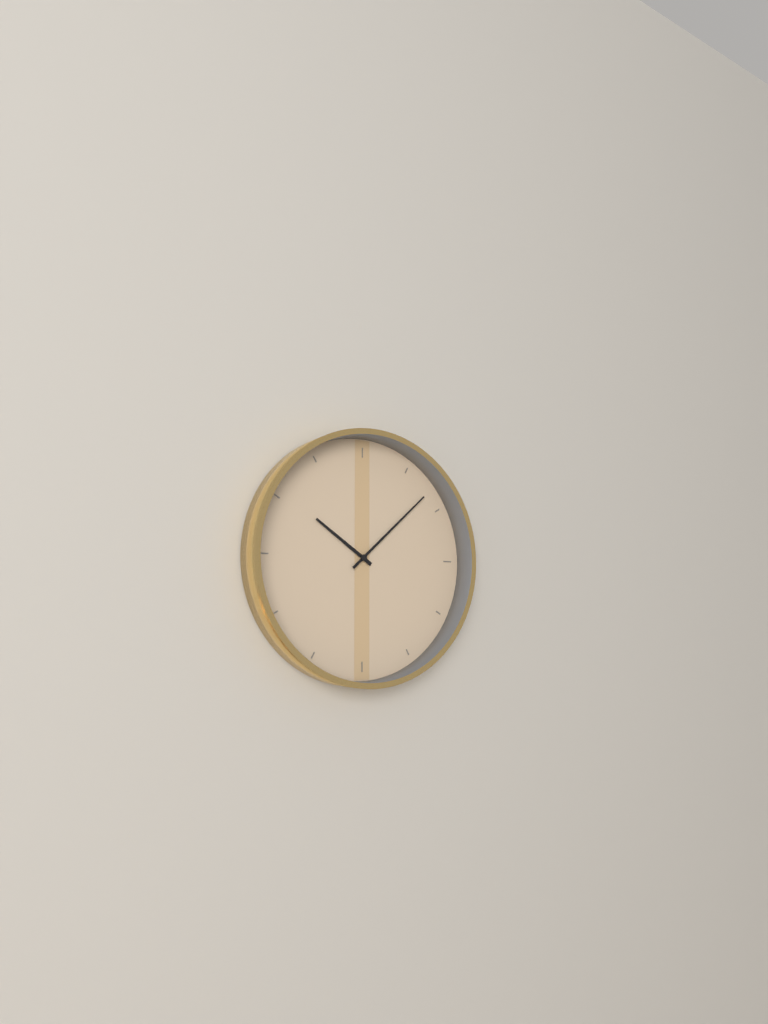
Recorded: 10,08
